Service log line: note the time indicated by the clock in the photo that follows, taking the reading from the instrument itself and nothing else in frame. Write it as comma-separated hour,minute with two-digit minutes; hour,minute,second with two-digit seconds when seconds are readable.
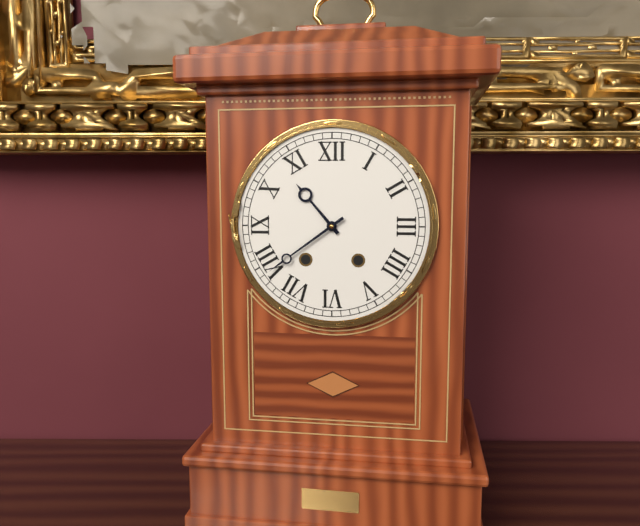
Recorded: 10,39
